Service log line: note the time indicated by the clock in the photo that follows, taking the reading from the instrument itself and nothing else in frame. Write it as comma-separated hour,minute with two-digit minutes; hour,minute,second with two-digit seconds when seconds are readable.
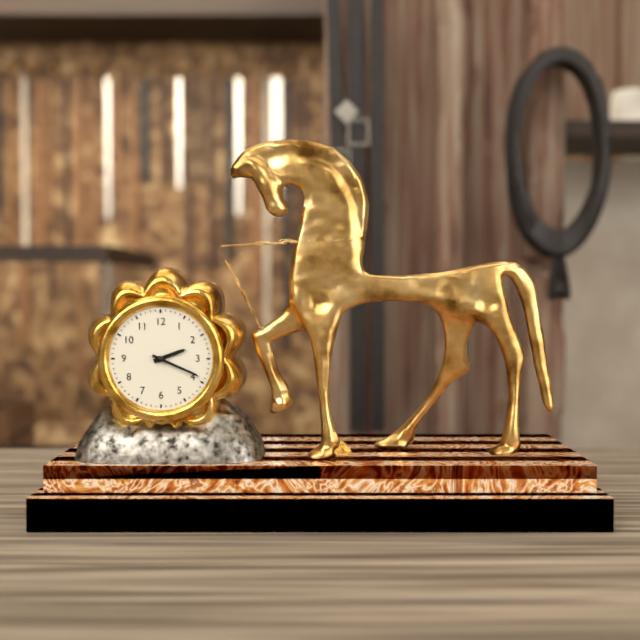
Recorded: 2,19
